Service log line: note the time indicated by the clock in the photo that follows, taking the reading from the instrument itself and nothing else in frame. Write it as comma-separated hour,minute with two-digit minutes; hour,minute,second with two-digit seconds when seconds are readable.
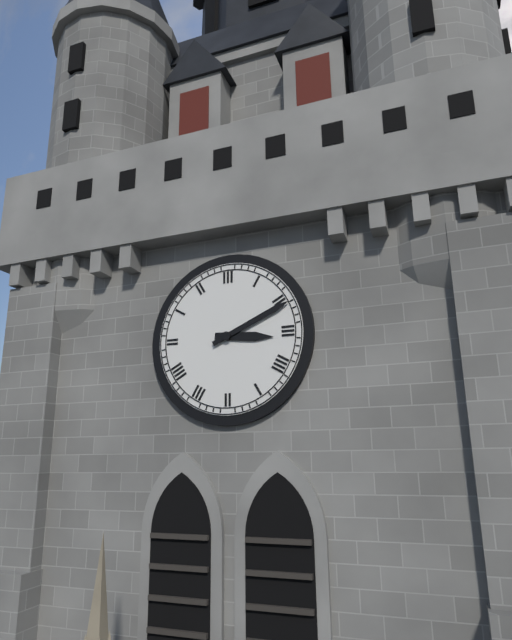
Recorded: 3,11
